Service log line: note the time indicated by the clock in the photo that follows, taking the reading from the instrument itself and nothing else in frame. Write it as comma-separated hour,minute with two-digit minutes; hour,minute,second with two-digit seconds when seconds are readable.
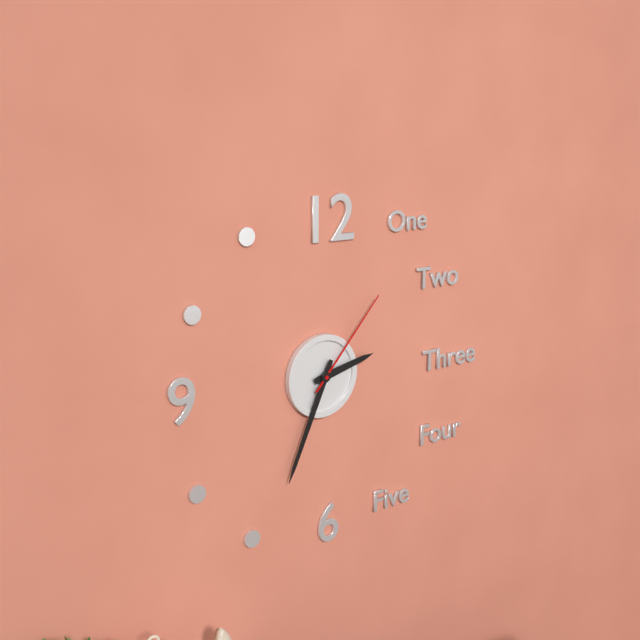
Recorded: 2,34,07
